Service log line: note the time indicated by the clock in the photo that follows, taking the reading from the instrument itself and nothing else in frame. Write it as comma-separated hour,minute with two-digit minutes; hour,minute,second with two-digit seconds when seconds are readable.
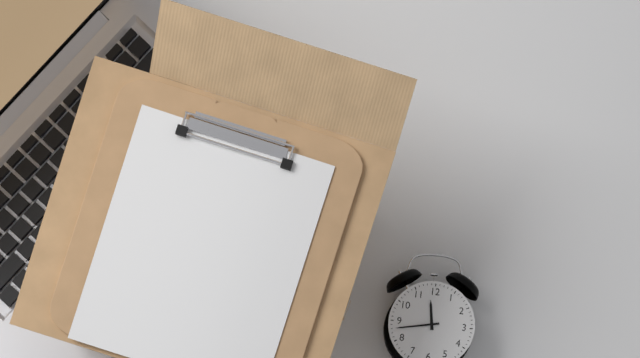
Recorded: 11,43
